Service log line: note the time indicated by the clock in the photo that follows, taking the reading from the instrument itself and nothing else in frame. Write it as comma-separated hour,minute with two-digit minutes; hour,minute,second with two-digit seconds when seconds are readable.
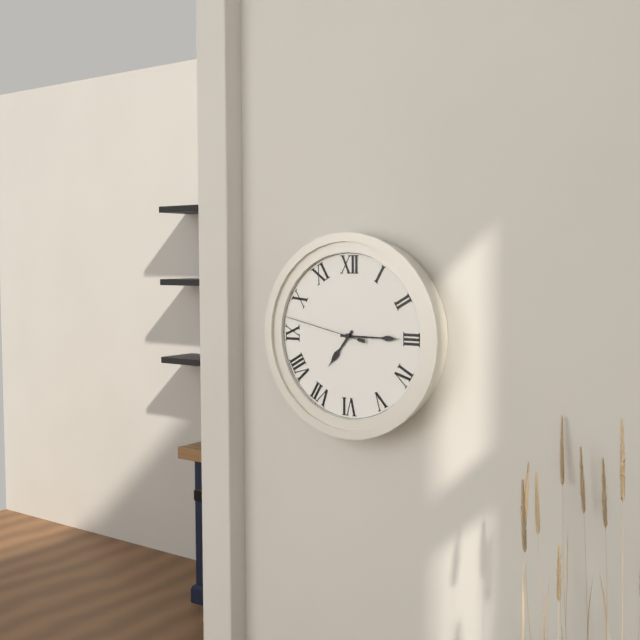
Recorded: 7,15,47
